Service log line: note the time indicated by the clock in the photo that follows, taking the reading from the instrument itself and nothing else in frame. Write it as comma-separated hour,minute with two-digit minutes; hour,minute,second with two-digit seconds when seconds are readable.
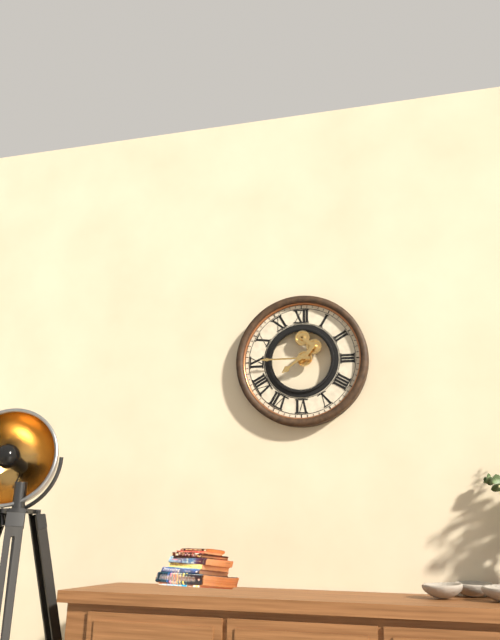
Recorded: 7,45
